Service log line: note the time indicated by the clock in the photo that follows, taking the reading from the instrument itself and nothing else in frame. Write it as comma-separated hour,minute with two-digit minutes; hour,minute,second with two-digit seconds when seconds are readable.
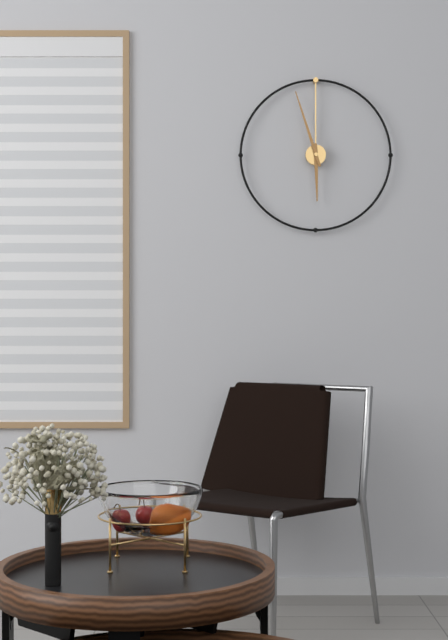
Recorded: 5,57
